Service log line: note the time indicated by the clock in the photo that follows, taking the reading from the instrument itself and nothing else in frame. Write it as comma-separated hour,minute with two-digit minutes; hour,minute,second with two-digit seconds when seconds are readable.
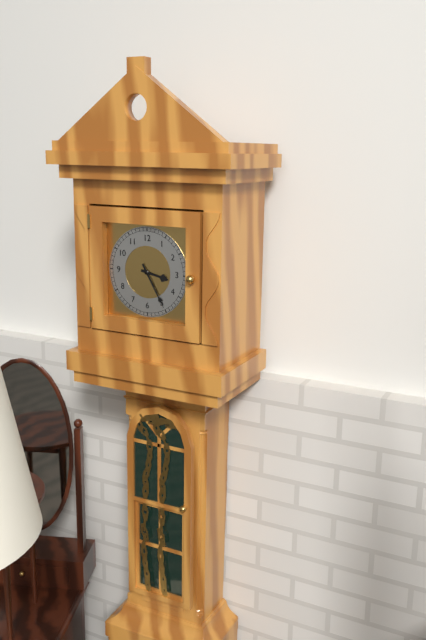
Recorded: 3,25
